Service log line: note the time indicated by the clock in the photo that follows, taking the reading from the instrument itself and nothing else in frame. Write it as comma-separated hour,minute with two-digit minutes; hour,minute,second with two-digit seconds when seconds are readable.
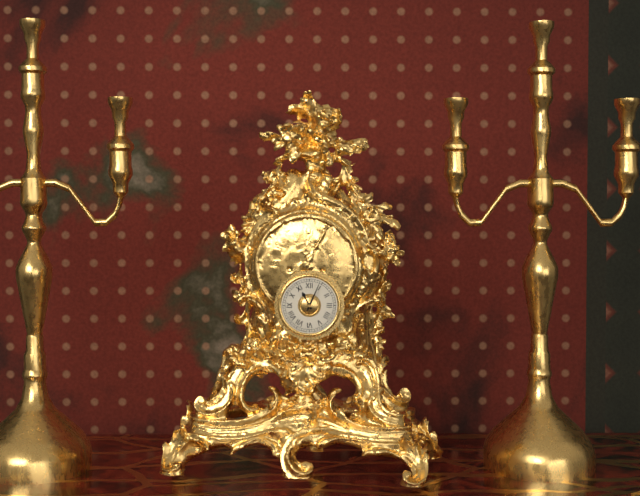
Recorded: 11,04
